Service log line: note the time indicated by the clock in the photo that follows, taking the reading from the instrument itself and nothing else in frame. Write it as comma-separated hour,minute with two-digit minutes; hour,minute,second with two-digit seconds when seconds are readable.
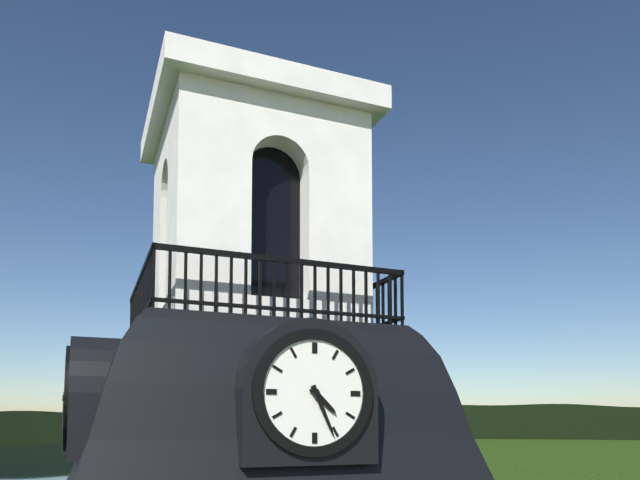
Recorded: 4,26
